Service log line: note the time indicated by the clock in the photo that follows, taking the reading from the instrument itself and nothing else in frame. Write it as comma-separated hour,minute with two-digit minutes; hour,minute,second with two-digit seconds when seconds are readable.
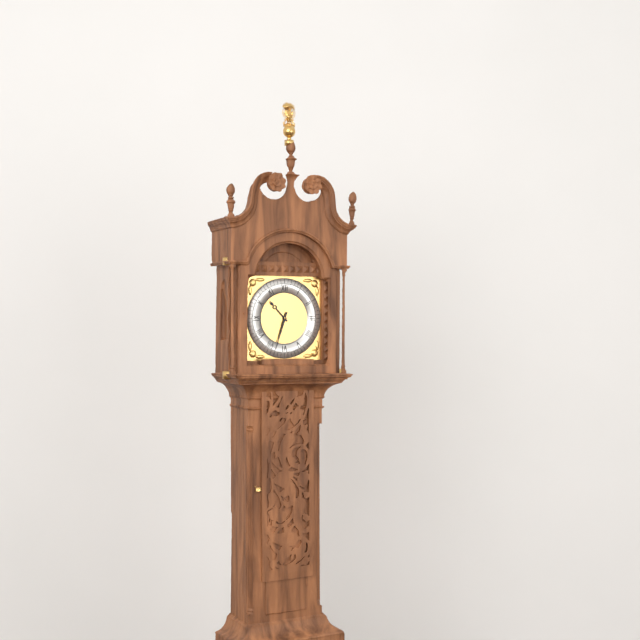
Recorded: 10,33
